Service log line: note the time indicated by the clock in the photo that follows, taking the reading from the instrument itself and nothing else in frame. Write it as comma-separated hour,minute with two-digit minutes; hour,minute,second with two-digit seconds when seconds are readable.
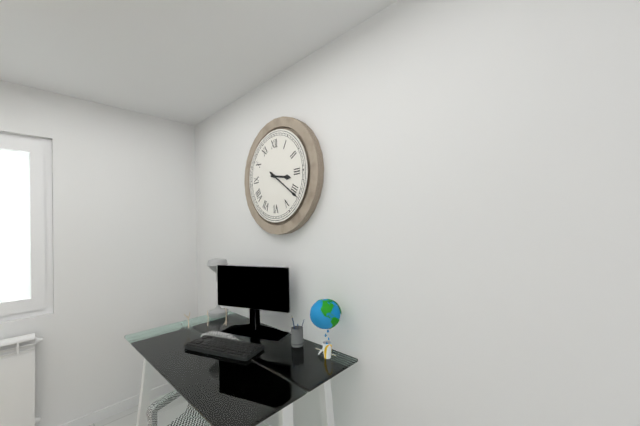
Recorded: 3,21
